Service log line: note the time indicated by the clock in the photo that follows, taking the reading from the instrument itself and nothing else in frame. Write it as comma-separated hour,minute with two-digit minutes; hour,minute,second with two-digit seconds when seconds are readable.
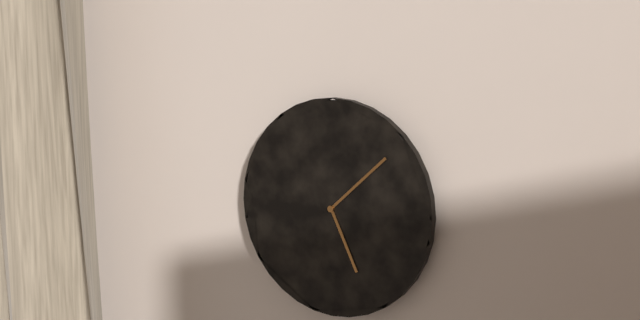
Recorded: 5,08
